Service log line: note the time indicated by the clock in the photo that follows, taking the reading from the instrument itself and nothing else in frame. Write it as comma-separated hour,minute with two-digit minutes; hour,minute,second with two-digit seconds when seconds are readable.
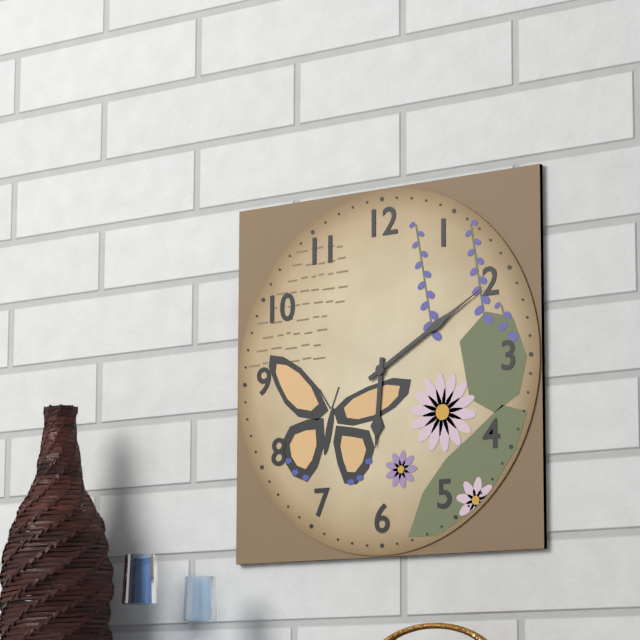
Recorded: 6,10
